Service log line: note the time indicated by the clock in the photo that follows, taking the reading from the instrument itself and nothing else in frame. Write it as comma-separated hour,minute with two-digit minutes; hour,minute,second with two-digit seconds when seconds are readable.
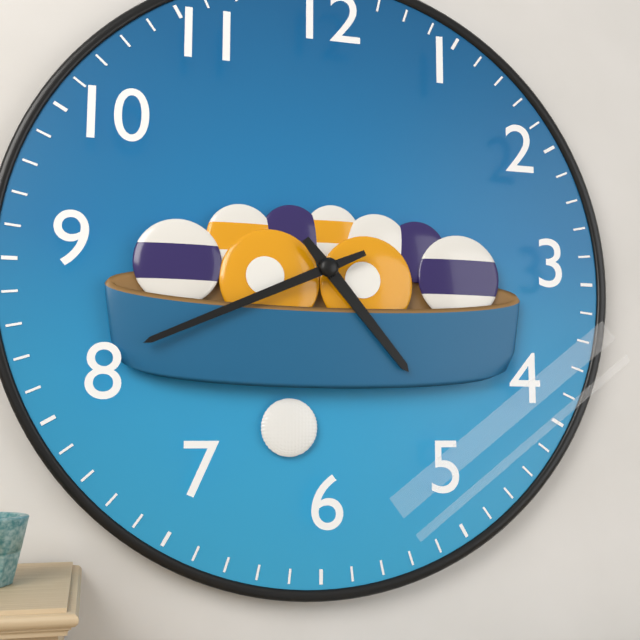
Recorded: 4,41
